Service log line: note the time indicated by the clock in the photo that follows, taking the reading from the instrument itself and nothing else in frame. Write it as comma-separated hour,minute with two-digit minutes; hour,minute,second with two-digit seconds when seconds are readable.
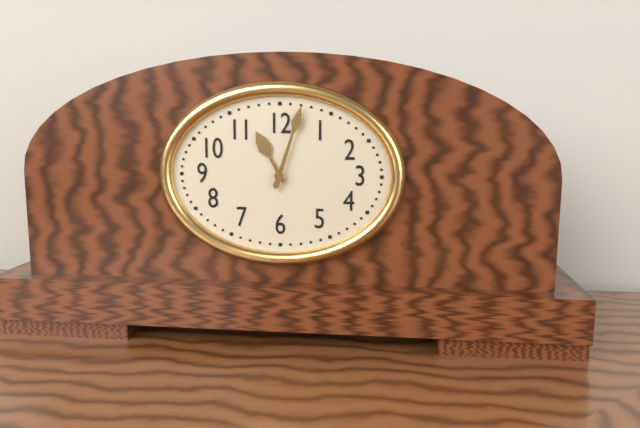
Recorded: 11,03
